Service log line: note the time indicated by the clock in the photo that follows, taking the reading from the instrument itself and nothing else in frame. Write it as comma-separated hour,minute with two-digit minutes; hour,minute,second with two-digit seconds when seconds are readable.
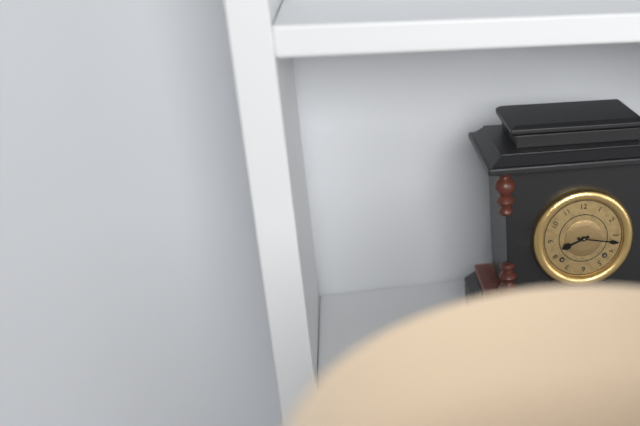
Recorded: 8,17
